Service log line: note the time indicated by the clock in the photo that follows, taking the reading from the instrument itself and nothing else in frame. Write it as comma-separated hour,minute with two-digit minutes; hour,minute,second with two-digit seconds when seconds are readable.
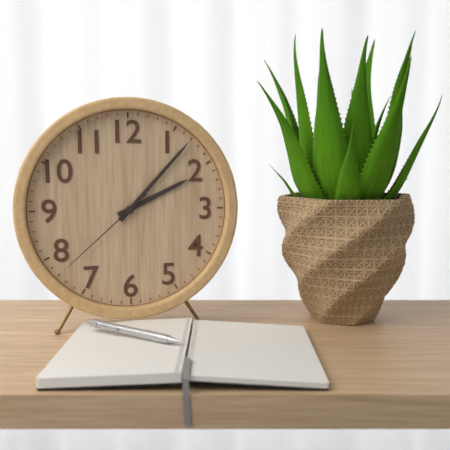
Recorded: 2,07,38
